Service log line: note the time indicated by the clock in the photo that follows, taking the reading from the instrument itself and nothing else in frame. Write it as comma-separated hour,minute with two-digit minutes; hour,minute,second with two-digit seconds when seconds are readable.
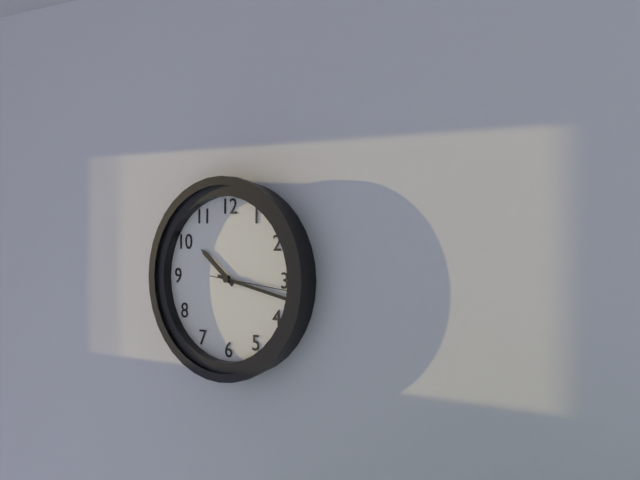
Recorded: 10,17,16
